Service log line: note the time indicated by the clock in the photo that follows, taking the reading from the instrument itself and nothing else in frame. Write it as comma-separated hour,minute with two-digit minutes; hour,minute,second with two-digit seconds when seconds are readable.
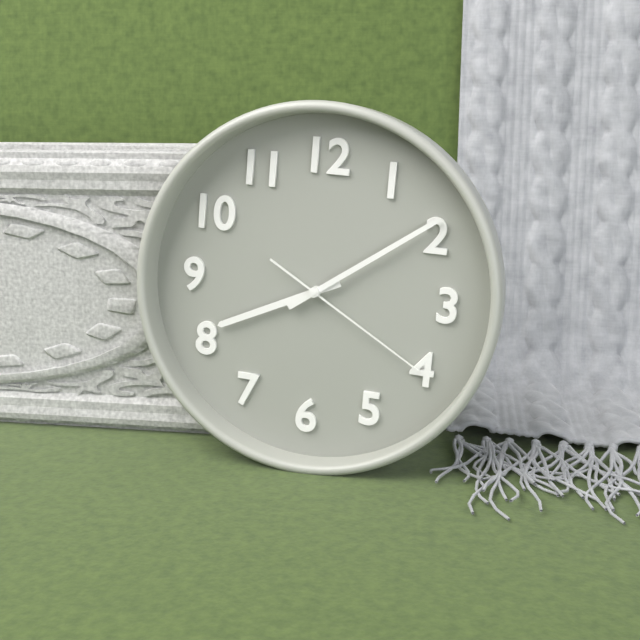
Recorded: 8,09,20
